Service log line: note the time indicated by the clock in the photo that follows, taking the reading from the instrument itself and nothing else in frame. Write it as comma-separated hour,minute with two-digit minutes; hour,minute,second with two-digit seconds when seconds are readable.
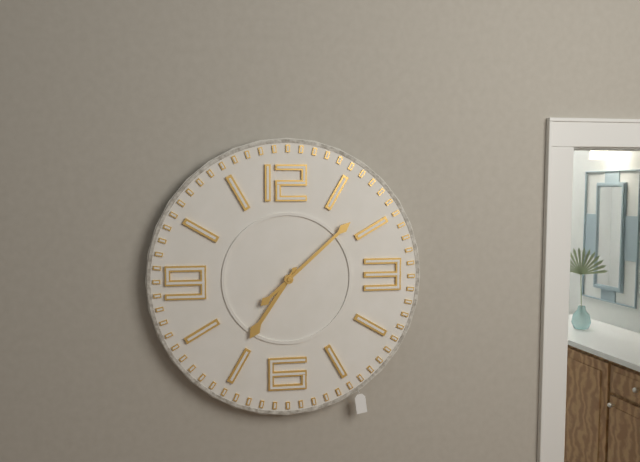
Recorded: 7,08
